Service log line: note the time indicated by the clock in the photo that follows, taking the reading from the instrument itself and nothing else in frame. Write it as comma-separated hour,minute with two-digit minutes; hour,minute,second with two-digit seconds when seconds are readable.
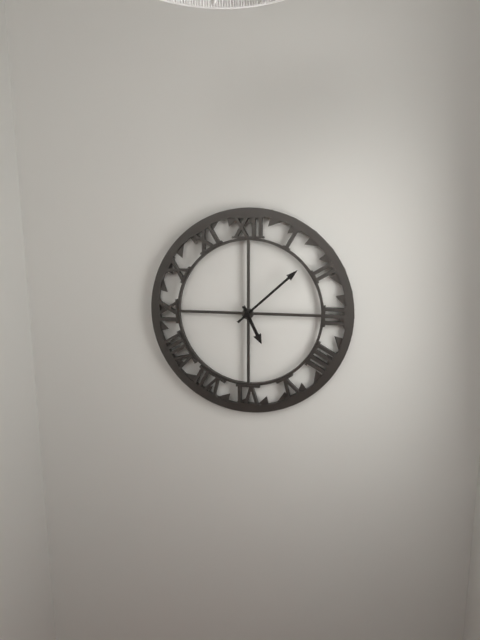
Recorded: 5,08
